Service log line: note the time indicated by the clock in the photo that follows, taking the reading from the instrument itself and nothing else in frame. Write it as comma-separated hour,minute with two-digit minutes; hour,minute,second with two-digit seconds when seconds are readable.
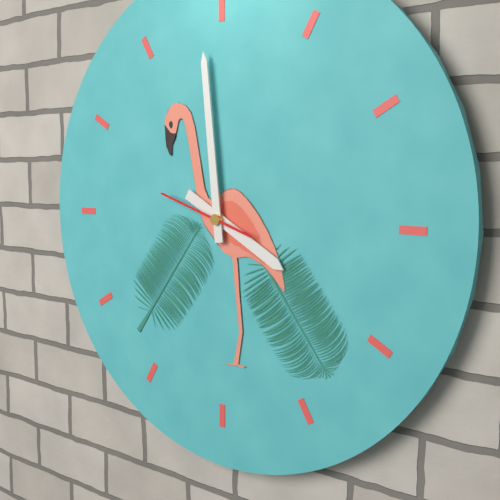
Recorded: 3,59,48
